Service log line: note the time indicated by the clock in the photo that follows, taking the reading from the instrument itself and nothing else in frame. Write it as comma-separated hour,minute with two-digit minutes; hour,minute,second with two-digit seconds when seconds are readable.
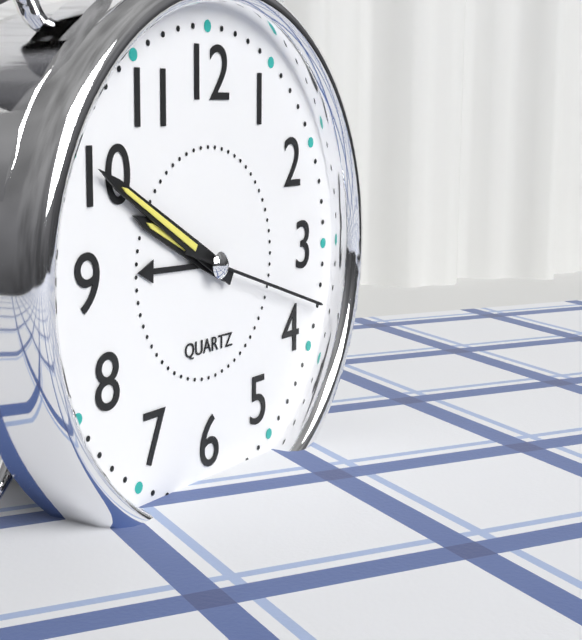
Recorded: 9,50,18
